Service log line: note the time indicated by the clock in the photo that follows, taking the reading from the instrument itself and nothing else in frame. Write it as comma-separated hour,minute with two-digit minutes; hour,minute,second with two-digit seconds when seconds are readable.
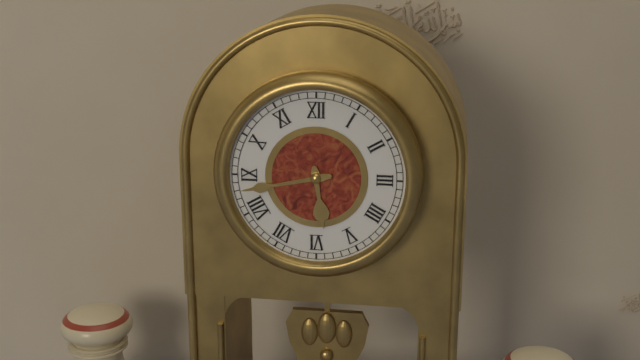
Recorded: 5,43
